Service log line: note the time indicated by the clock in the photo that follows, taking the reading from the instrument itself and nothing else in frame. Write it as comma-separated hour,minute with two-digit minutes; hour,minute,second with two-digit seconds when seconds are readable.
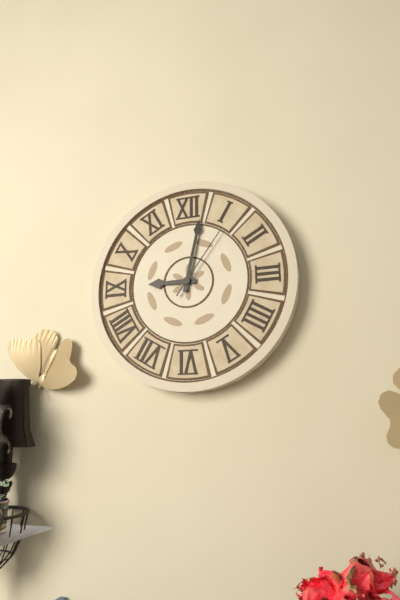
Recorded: 9,02,06
